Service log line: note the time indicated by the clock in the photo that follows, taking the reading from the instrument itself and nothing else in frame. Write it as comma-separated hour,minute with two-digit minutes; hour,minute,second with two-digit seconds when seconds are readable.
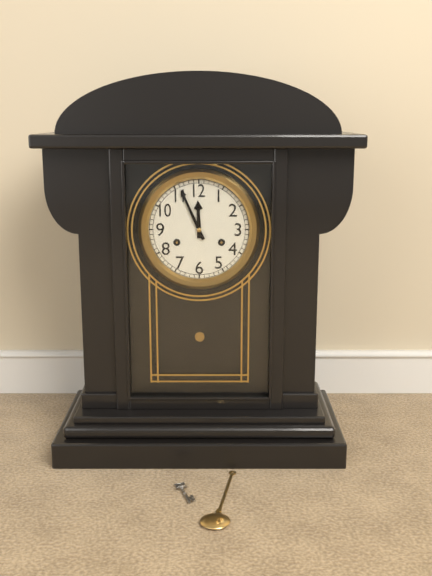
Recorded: 11,56
